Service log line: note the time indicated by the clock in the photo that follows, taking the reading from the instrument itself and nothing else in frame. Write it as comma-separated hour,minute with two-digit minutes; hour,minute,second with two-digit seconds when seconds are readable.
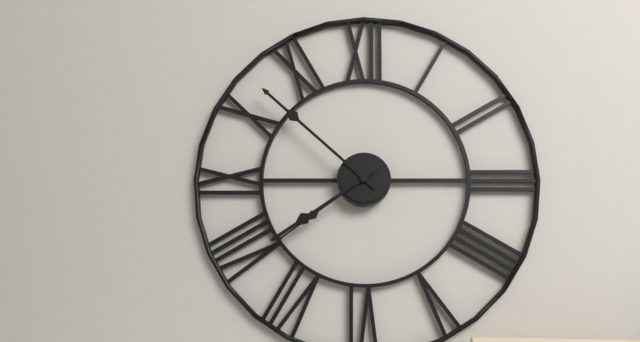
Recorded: 7,52,39
